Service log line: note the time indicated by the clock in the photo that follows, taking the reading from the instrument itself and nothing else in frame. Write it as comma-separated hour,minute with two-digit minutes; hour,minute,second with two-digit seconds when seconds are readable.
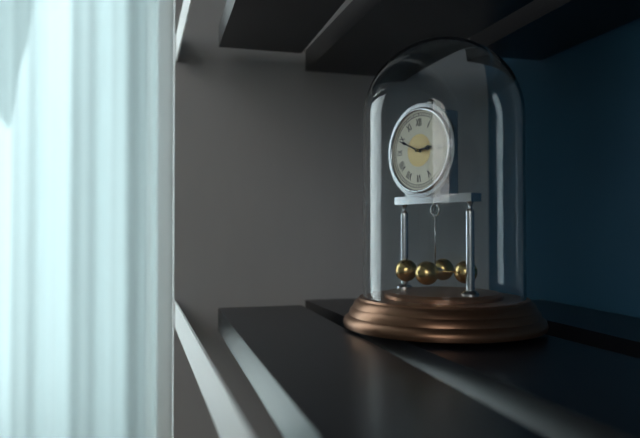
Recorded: 2,49
